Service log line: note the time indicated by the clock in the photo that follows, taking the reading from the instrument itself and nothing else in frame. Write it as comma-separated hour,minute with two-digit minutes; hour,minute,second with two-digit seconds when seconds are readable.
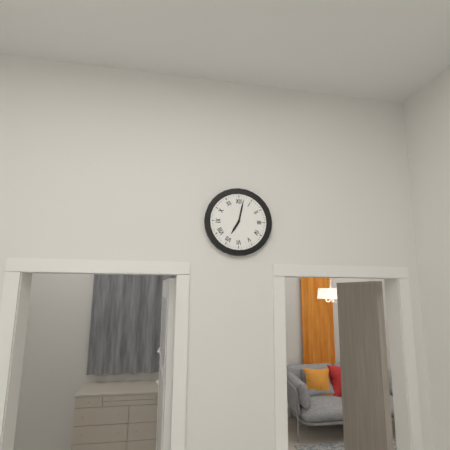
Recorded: 7,02
